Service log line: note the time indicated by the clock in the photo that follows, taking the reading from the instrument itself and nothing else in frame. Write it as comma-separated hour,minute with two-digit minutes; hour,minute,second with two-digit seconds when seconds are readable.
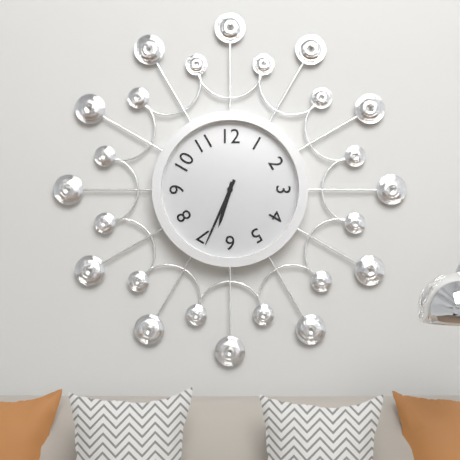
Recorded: 6,34
